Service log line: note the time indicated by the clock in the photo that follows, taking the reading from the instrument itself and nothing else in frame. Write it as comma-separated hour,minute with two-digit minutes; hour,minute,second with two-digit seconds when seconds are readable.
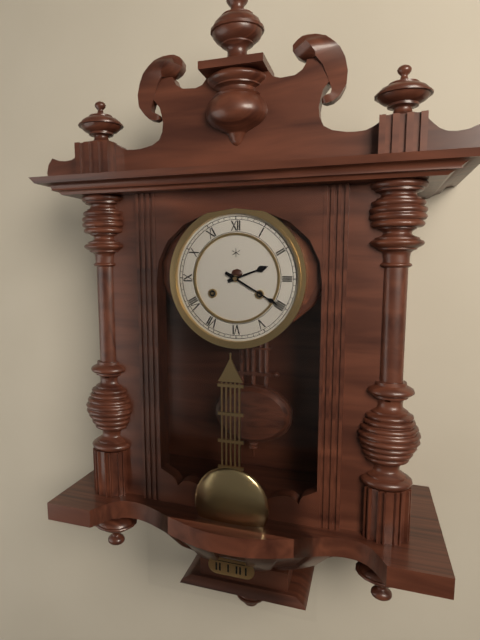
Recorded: 2,20
